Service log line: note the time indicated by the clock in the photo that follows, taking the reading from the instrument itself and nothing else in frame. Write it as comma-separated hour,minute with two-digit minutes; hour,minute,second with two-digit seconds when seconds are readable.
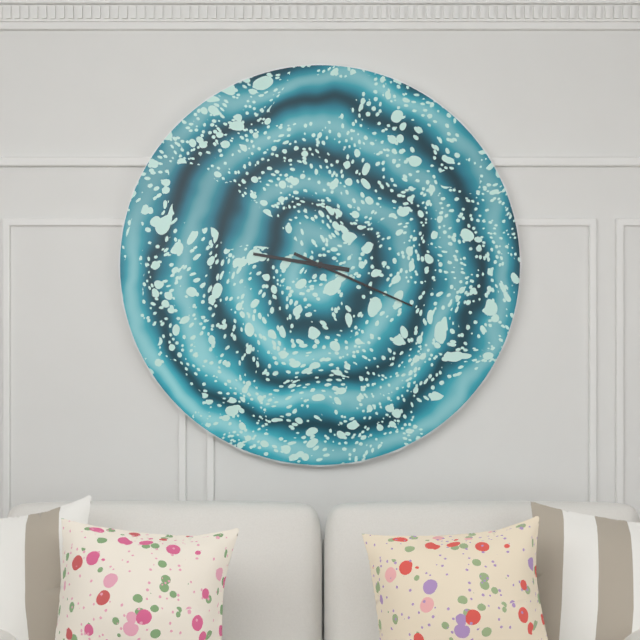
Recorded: 9,19
